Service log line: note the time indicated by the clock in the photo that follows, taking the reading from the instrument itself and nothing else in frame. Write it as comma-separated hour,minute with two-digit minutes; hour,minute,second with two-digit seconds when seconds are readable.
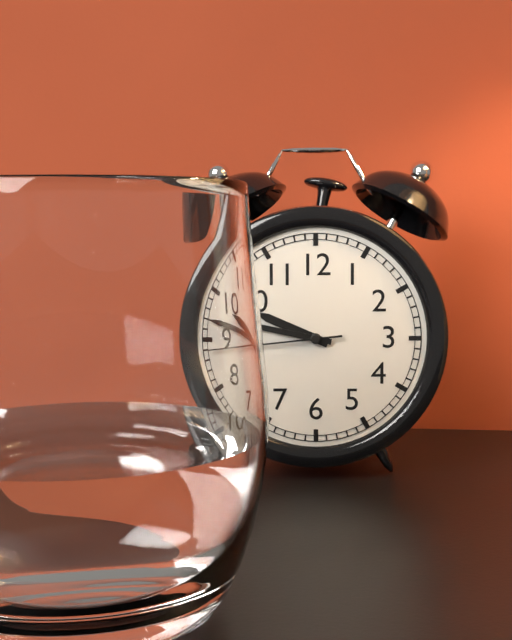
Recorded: 9,47,44
